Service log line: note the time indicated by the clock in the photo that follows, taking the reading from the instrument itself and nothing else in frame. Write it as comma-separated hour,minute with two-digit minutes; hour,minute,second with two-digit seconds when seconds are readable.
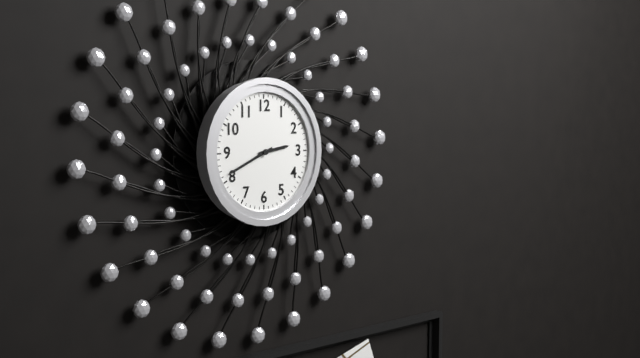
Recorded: 2,41
